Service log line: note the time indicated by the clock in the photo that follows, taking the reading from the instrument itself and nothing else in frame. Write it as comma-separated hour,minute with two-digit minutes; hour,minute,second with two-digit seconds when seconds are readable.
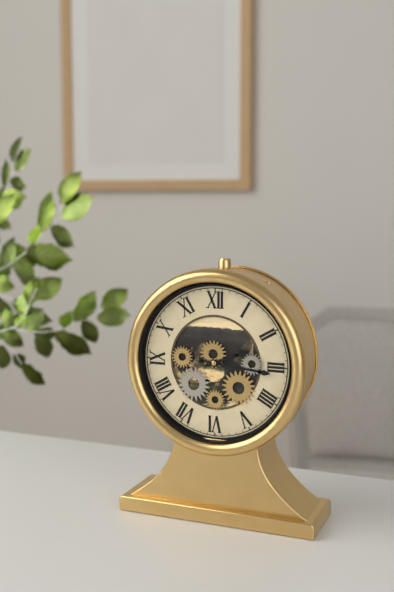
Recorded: 2,16
